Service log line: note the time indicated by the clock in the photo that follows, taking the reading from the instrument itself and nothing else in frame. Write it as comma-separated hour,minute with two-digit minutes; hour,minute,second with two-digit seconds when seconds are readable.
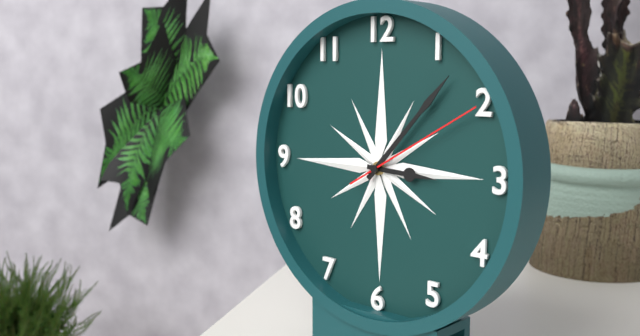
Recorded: 3,07,10
